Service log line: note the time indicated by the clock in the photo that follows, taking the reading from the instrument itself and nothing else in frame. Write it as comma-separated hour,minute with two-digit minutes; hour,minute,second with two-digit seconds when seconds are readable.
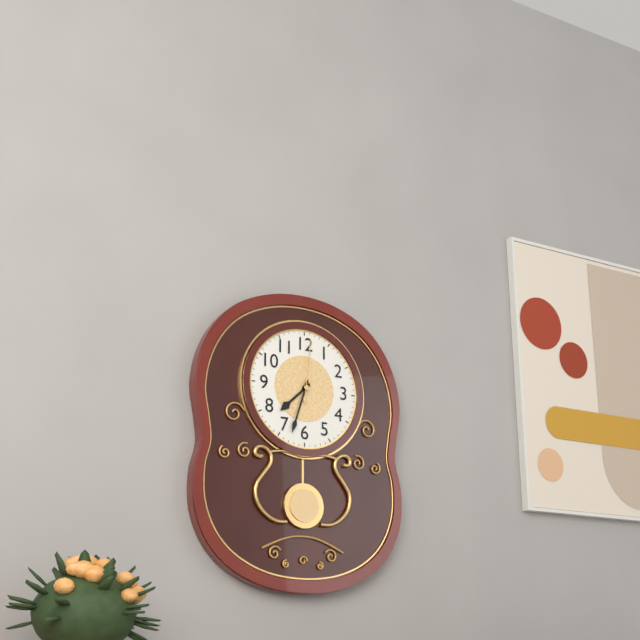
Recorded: 7,33,01
